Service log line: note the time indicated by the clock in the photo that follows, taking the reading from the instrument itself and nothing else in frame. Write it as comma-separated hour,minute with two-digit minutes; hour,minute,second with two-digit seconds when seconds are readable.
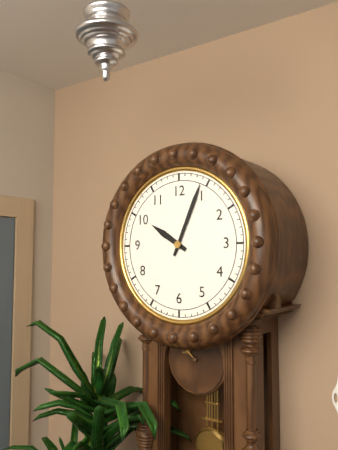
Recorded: 10,04
